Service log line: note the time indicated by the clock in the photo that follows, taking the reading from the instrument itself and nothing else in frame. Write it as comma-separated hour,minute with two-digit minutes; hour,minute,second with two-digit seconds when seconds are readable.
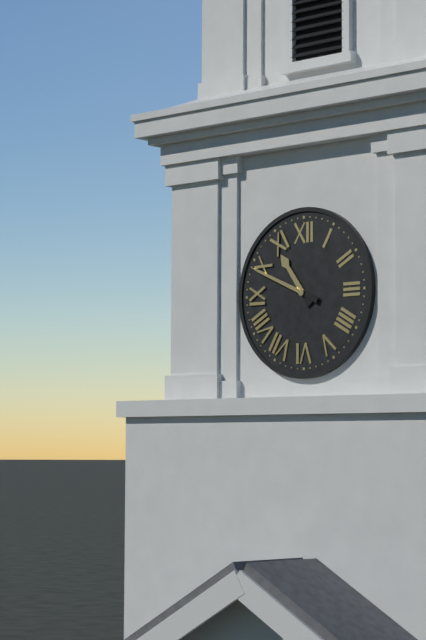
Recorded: 10,49
